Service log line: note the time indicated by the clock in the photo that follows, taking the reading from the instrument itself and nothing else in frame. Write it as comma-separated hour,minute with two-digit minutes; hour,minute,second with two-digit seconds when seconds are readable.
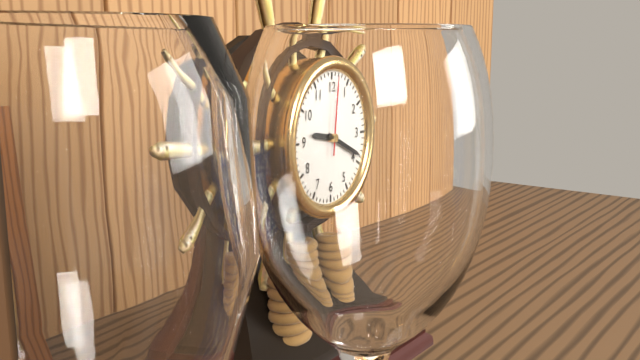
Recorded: 9,19,01
